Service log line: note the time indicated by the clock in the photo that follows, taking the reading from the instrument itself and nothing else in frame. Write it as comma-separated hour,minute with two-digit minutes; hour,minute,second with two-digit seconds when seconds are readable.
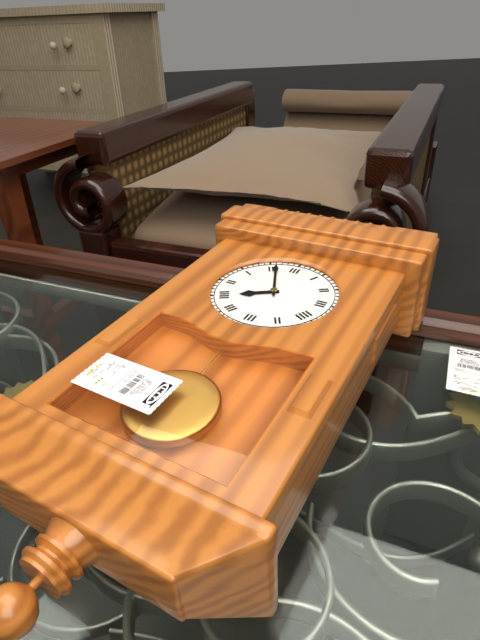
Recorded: 7,56
